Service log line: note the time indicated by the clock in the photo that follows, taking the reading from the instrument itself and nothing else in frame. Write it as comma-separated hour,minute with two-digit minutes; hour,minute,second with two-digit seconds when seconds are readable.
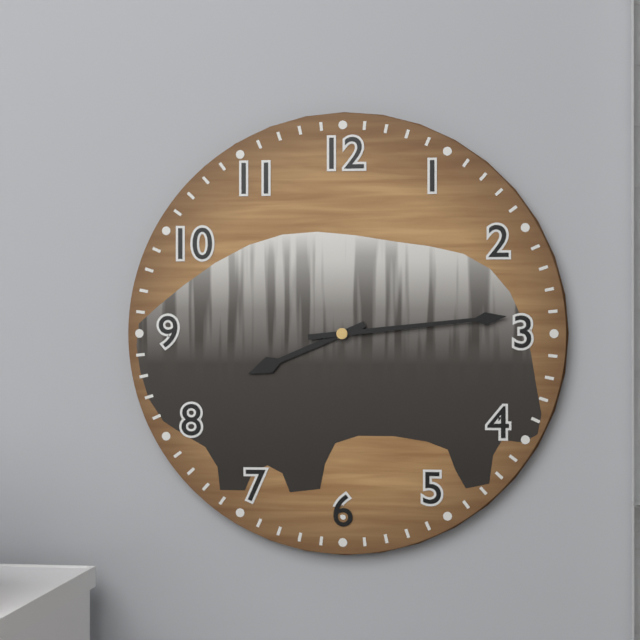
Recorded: 8,14
